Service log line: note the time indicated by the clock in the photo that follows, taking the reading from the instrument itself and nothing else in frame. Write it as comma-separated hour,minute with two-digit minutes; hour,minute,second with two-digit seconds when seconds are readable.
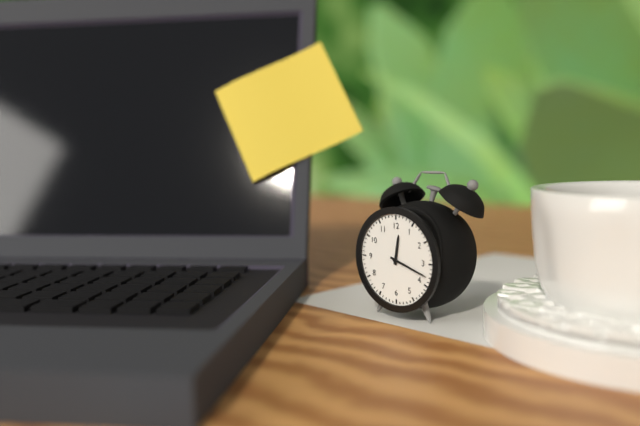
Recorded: 12,18
